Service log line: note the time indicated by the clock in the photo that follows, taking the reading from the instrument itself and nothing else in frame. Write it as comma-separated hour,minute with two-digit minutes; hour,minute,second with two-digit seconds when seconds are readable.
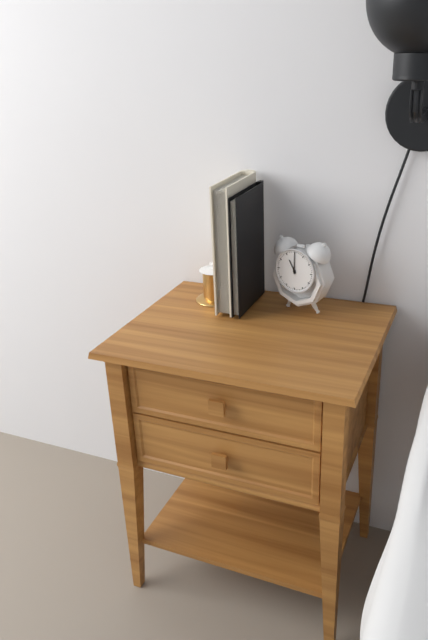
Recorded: 11,00
